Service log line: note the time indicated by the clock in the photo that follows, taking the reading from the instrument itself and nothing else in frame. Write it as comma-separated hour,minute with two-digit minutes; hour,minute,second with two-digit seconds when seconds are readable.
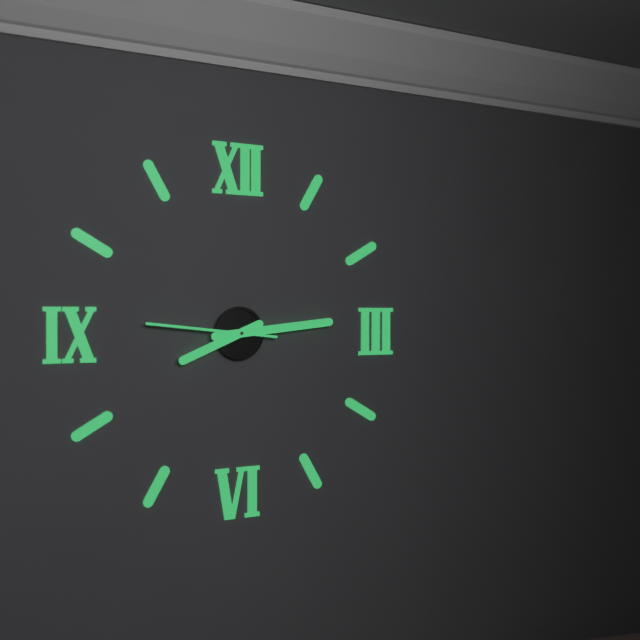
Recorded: 8,14,46
